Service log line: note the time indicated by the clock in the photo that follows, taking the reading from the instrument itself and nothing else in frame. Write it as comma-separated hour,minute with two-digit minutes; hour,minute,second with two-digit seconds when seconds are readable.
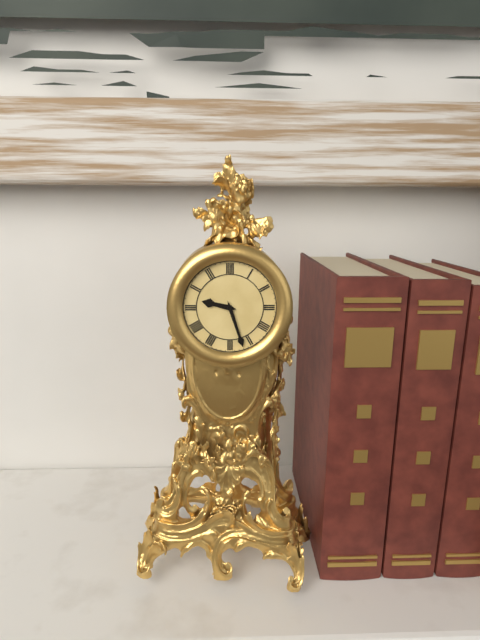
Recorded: 9,27
